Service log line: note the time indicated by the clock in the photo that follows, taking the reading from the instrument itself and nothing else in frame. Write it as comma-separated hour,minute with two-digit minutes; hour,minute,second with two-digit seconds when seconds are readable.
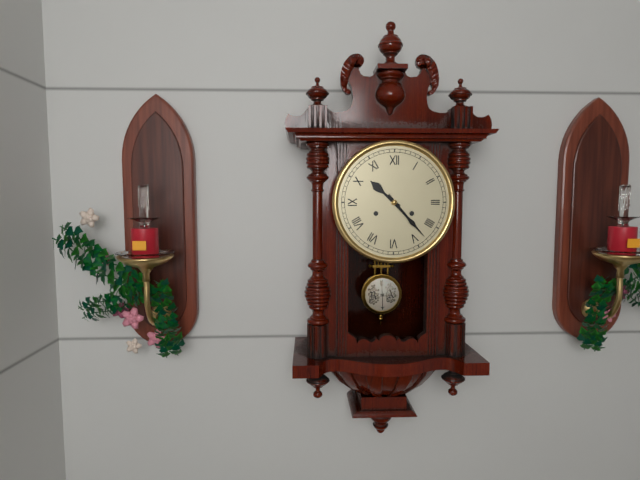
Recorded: 10,23
